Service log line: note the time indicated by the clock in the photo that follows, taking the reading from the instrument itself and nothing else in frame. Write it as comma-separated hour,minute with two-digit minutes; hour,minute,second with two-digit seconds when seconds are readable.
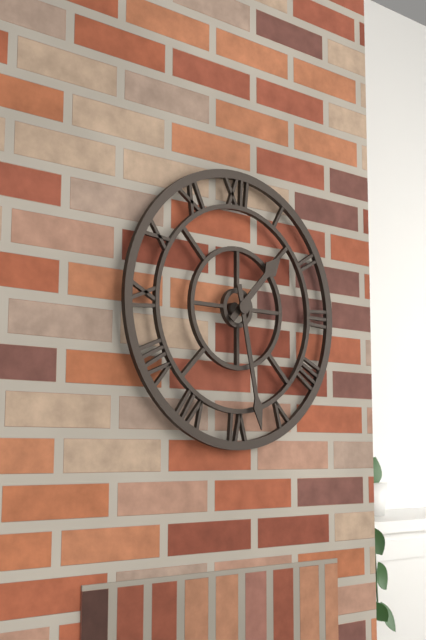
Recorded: 1,28
